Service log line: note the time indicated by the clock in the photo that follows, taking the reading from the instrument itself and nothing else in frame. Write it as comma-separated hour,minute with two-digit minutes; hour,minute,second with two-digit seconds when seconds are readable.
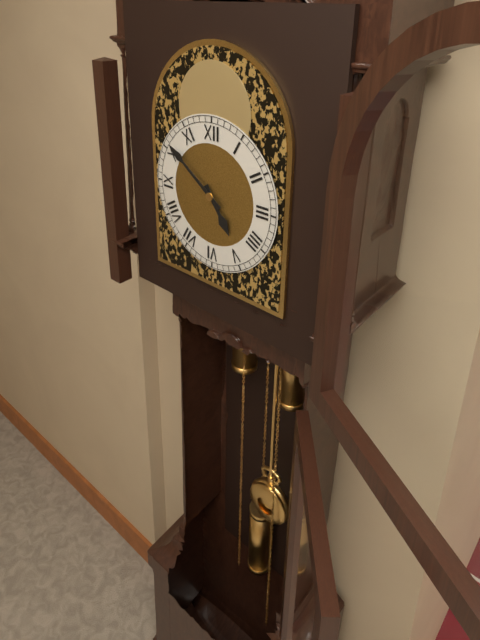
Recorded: 4,51
